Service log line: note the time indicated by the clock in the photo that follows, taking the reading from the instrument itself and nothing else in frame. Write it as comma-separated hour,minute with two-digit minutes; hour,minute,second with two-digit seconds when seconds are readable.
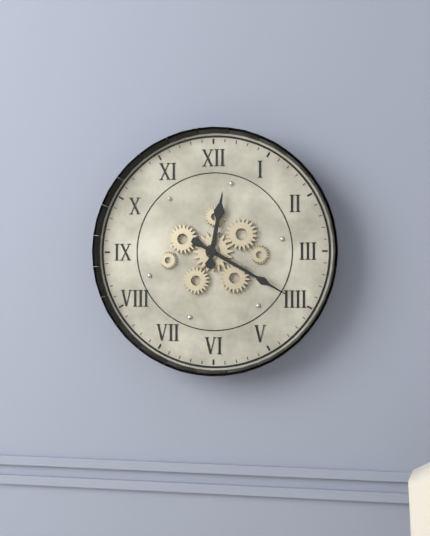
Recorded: 12,20
